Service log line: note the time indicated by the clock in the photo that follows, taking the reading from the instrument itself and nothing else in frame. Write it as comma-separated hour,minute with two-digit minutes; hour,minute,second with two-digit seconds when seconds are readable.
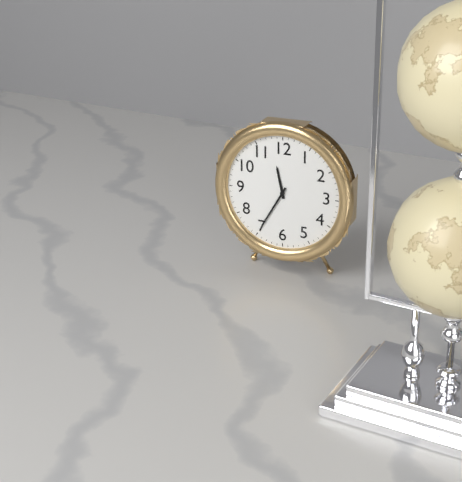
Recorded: 11,35
